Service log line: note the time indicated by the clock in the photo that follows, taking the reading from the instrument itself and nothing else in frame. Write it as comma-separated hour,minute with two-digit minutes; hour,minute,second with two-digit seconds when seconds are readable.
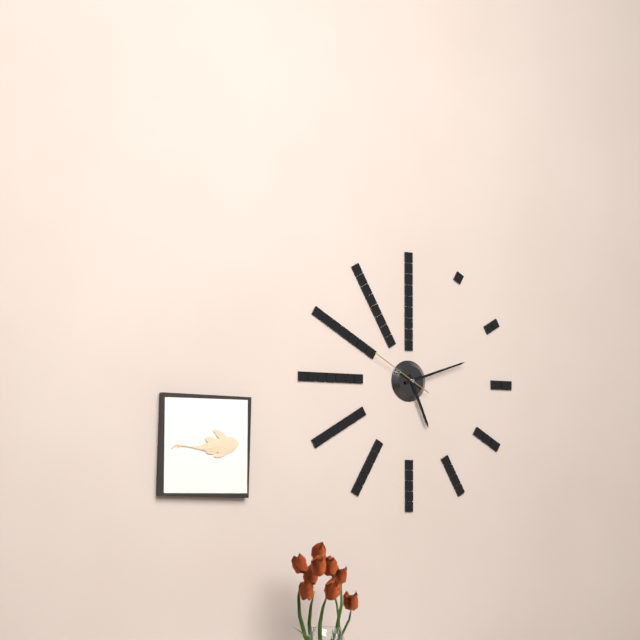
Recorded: 5,12,50
